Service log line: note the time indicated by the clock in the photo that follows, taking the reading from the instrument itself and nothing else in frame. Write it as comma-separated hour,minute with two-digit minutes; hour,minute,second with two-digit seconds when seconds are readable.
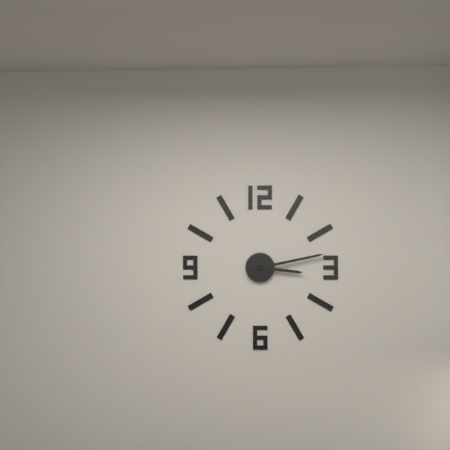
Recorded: 3,13
